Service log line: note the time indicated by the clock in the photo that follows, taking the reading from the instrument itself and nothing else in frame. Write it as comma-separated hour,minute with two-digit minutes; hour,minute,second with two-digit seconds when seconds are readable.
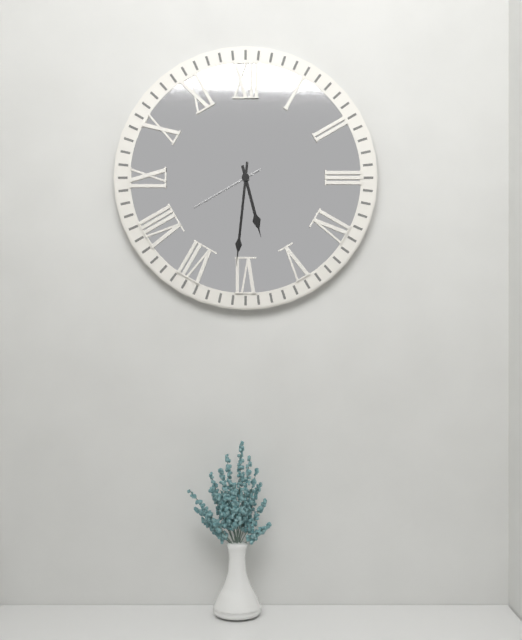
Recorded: 5,31,40
